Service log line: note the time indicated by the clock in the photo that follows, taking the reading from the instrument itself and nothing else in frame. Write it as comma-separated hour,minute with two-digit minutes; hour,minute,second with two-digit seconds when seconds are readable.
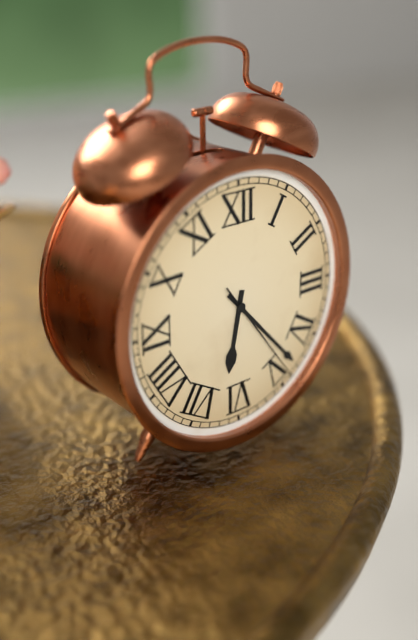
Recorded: 6,23,24
